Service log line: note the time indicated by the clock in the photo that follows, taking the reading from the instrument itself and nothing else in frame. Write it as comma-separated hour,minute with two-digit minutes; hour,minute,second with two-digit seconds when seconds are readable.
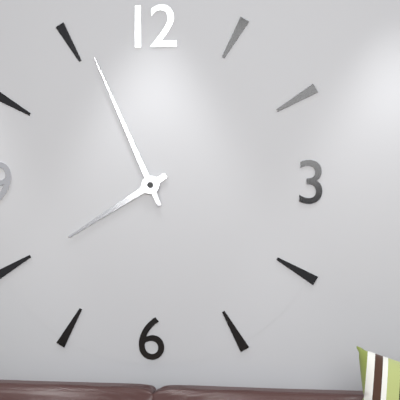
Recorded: 7,56
